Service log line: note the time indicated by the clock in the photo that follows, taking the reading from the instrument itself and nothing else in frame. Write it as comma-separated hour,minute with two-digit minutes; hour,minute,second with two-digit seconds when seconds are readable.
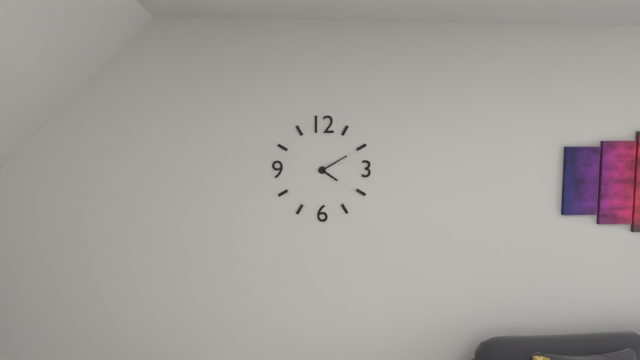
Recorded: 4,10
